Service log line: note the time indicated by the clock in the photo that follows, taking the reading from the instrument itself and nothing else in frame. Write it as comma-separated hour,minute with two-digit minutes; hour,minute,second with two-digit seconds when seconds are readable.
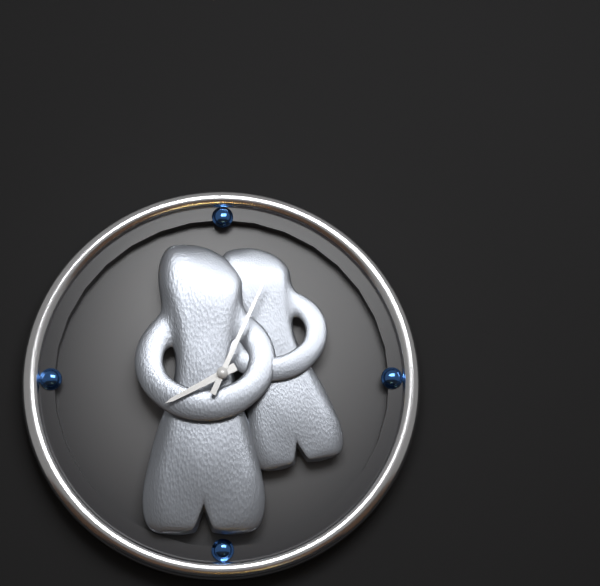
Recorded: 8,04
